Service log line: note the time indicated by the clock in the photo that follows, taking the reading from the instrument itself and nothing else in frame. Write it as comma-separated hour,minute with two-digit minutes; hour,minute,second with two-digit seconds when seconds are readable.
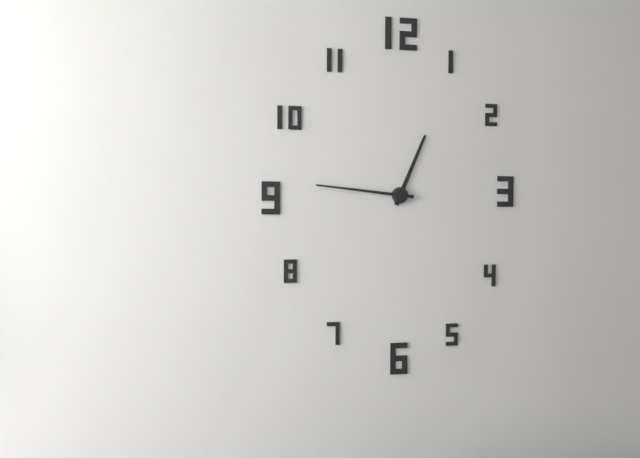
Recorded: 12,46
